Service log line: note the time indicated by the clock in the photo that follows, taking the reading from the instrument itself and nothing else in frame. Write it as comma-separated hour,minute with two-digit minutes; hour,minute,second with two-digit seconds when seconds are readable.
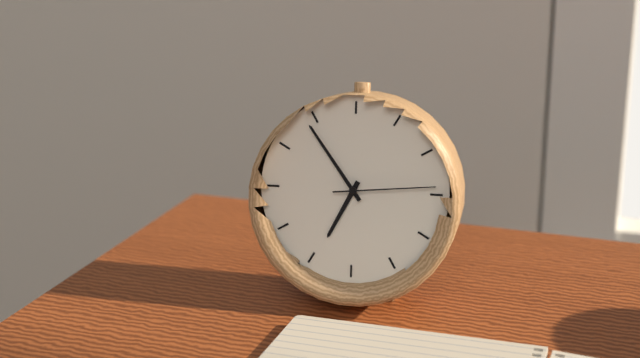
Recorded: 6,54,14
